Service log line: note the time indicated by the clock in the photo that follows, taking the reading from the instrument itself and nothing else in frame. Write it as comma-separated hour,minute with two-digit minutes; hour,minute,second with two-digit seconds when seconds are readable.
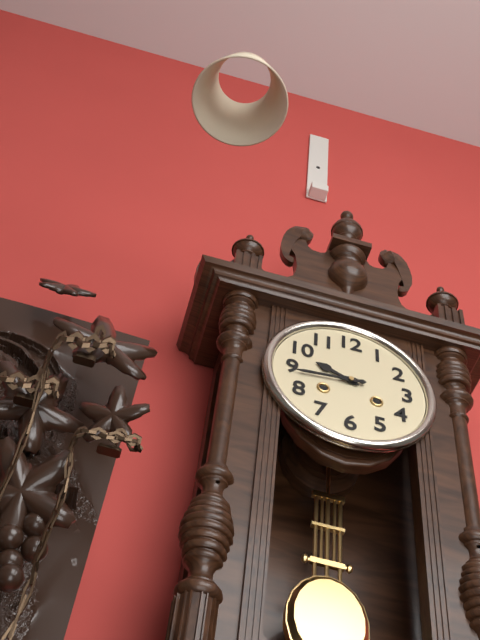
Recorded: 9,44
